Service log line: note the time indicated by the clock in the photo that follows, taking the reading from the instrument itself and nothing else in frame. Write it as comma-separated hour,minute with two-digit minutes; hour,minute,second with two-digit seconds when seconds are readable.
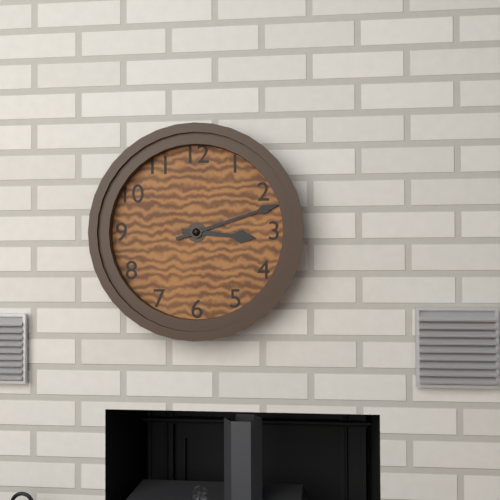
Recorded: 3,12
